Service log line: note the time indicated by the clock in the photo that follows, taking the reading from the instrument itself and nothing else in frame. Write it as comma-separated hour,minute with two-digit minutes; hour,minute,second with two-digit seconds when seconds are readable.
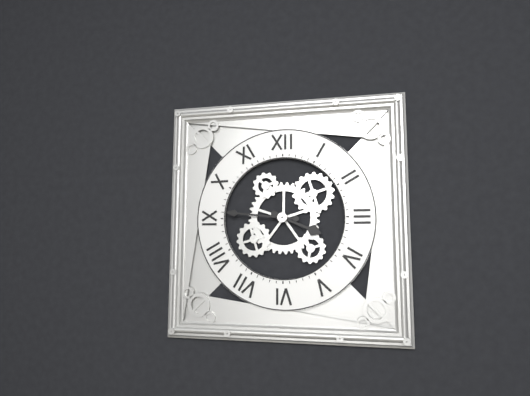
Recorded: 3,46
